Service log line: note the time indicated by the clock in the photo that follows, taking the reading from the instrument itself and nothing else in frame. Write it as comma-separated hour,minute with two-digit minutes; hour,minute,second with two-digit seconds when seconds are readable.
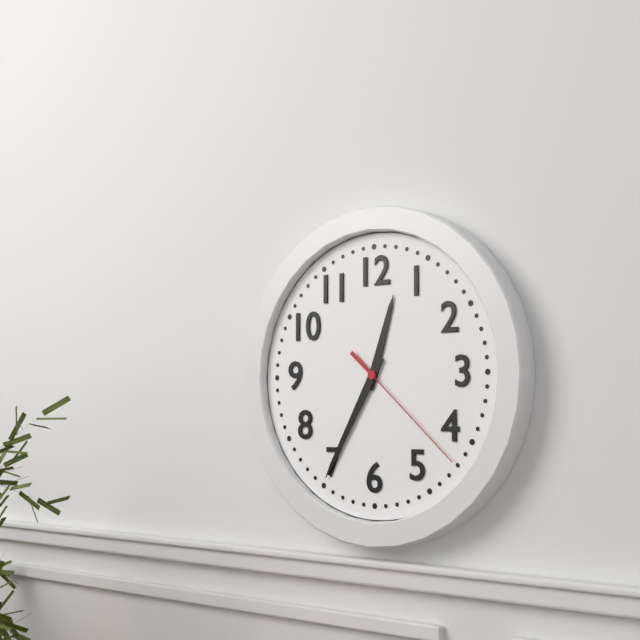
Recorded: 12,35,22
